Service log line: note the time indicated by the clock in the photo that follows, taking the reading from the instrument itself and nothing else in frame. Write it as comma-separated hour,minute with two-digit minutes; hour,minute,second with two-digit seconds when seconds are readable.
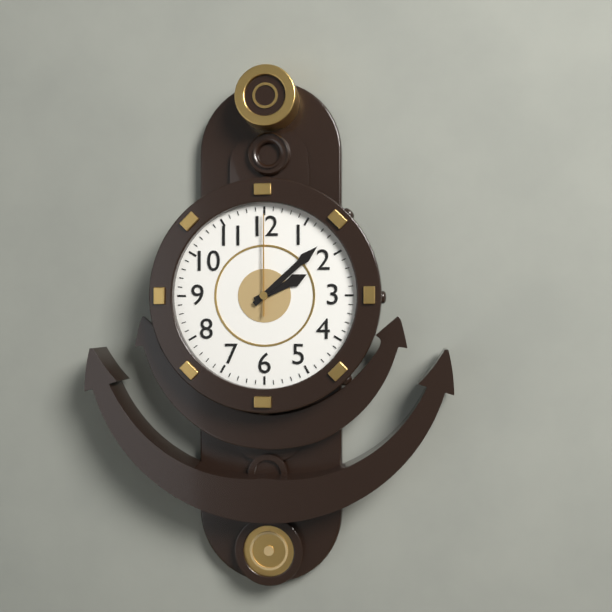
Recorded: 2,08,00
